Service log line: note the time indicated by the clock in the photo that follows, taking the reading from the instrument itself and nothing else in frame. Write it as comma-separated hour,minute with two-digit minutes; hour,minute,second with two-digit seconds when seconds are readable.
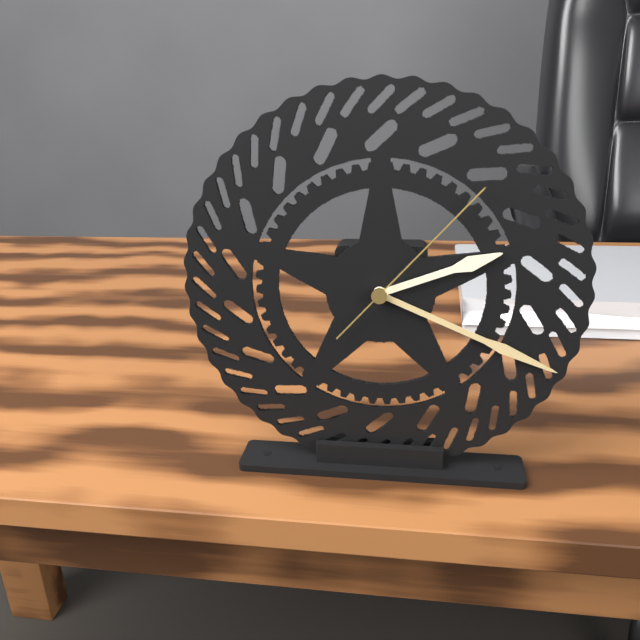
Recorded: 2,19,07
